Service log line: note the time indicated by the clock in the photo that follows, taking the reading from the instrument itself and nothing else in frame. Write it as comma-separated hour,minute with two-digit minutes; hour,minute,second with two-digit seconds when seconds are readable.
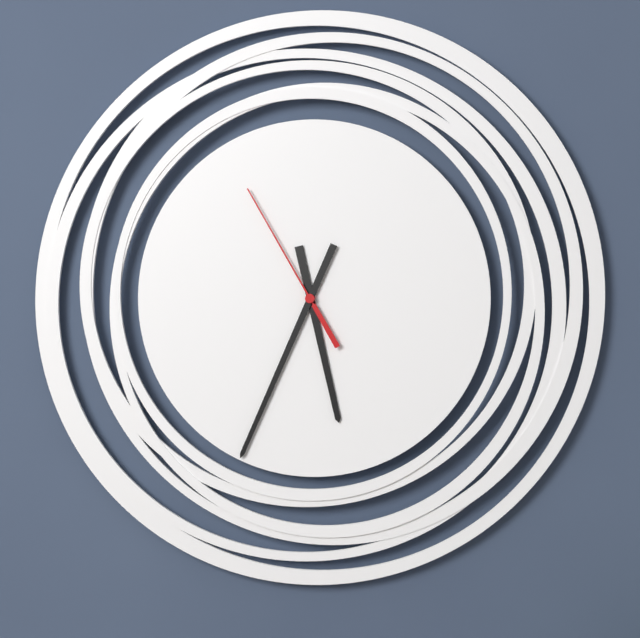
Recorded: 5,34,55
